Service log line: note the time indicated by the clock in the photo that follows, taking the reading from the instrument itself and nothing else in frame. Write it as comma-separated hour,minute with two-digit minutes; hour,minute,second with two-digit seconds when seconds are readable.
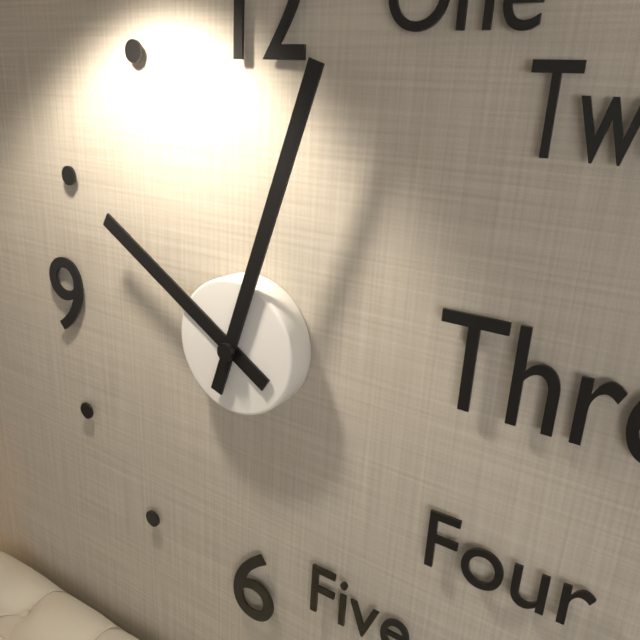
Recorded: 10,03
